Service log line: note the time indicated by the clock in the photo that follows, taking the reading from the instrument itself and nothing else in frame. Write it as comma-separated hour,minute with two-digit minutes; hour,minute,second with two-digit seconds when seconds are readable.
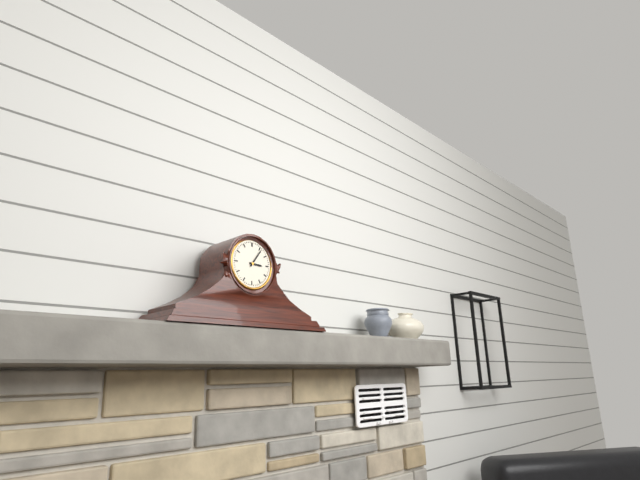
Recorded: 3,06
